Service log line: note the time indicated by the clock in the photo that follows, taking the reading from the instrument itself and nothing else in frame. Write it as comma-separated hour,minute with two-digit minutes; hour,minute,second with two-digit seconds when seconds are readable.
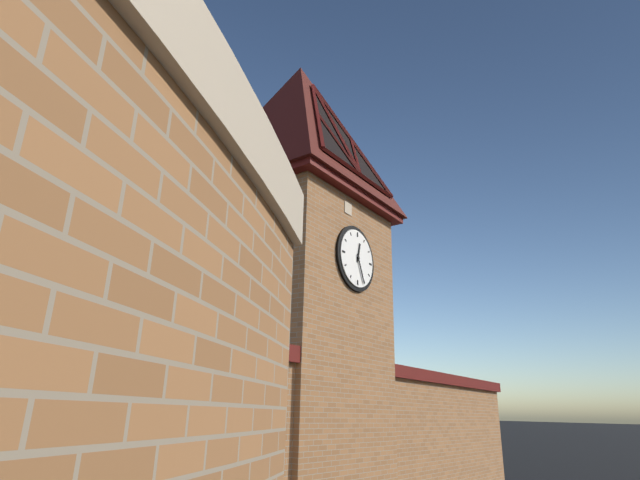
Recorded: 12,26
